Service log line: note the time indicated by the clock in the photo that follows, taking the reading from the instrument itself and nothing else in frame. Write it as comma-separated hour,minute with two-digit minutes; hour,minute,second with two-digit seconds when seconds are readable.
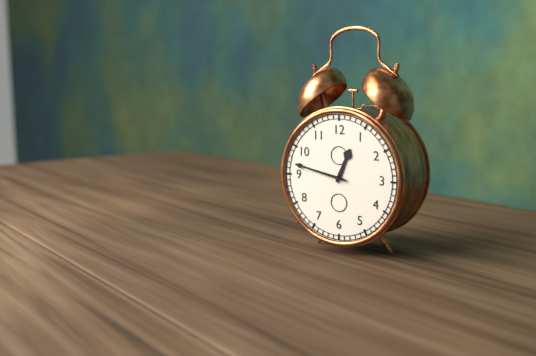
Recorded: 12,47
